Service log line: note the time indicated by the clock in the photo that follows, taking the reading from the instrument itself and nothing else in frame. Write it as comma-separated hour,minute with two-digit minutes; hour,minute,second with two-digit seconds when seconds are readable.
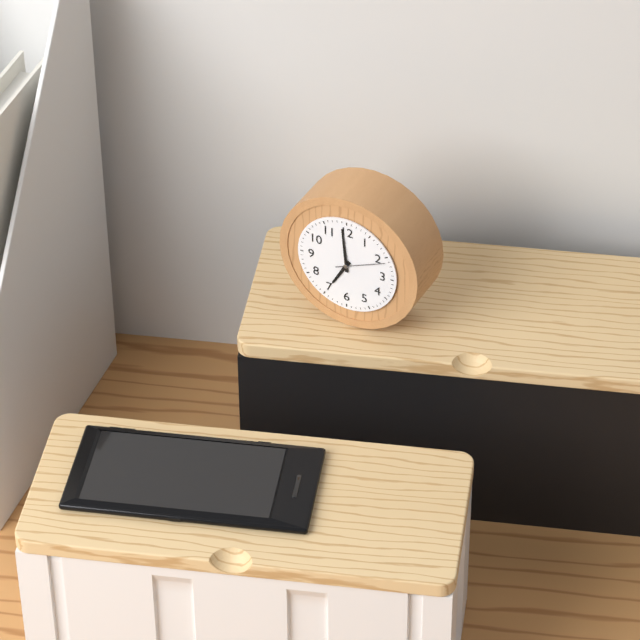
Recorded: 6,59
